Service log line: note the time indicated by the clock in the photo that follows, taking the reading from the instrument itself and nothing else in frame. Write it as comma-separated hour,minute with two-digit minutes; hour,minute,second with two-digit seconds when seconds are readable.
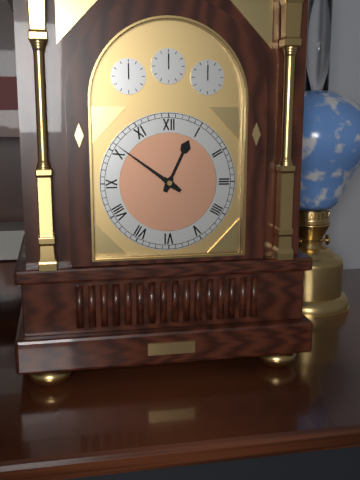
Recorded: 12,51
